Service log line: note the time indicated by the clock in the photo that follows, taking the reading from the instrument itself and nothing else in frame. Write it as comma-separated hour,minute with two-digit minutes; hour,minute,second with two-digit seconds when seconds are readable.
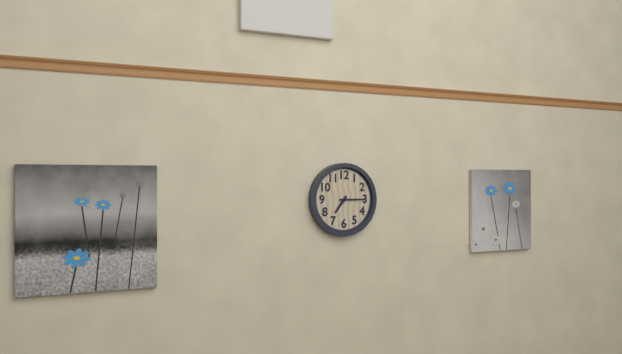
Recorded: 7,15
